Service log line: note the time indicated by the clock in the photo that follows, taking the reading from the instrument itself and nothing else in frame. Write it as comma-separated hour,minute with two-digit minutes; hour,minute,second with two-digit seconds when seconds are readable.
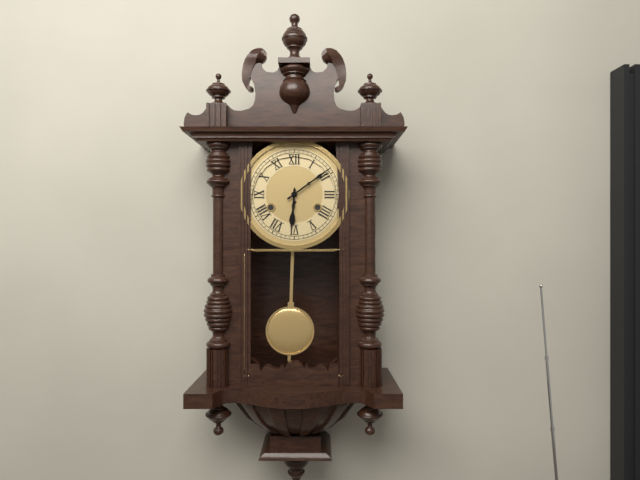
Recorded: 6,09
